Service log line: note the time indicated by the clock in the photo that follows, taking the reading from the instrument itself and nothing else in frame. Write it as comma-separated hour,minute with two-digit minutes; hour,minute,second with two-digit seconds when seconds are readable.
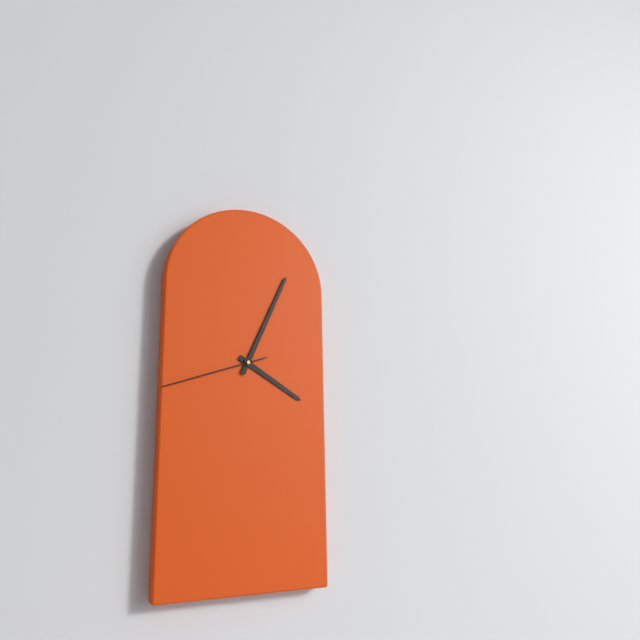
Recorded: 4,04,42
